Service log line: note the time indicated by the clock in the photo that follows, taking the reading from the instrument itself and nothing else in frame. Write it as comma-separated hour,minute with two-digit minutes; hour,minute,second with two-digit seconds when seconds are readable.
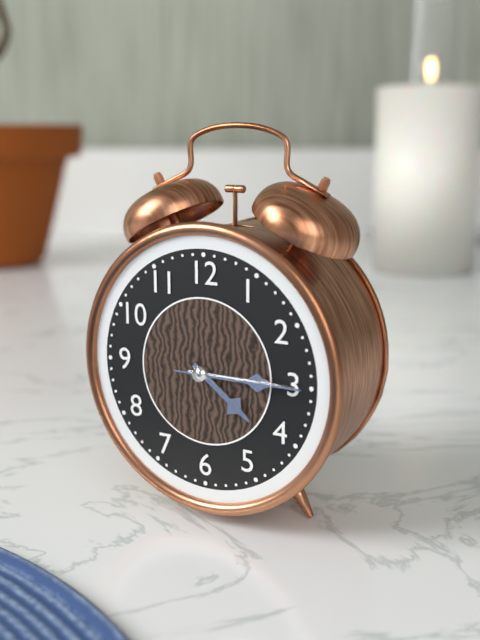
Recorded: 4,15,15
